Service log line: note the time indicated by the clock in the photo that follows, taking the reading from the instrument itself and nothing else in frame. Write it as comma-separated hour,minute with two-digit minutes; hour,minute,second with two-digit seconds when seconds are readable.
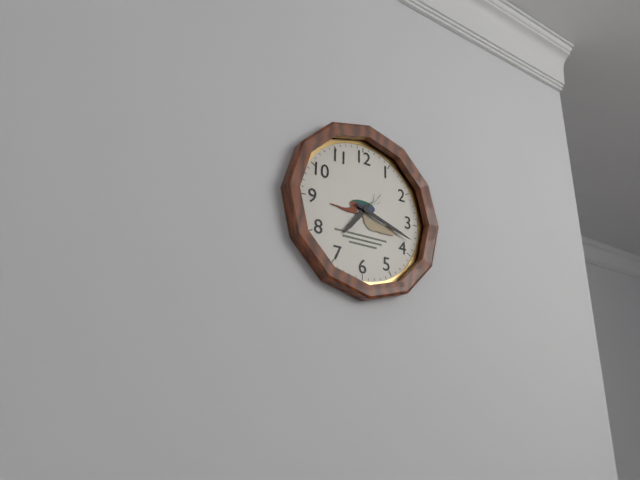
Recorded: 7,18
